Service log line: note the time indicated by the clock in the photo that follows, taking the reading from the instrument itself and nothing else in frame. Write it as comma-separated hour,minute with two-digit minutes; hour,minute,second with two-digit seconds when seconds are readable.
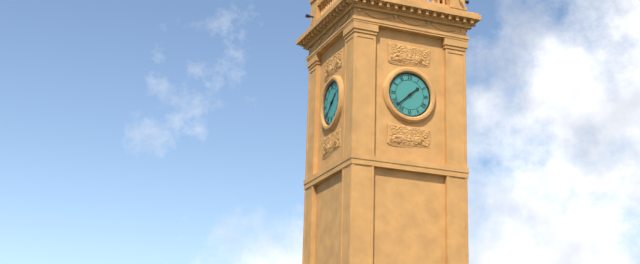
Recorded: 1,38
